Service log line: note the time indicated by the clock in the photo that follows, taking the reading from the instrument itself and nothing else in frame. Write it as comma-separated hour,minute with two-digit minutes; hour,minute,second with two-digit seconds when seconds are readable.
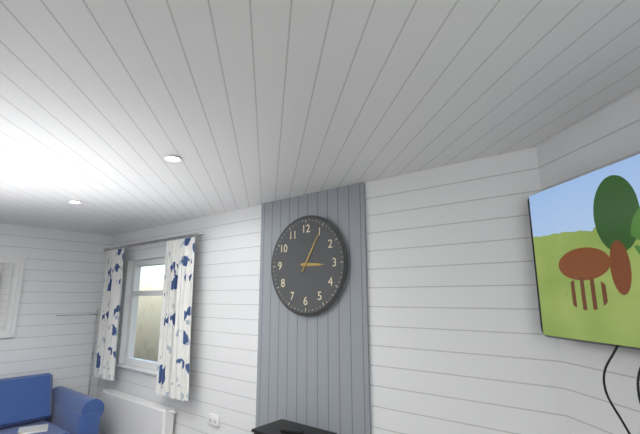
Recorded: 3,05
